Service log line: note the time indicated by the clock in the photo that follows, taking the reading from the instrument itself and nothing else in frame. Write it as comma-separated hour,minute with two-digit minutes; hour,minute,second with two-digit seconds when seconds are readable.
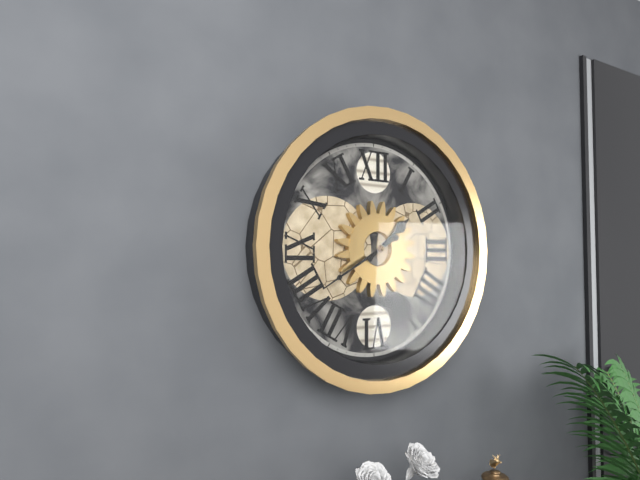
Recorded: 1,40
